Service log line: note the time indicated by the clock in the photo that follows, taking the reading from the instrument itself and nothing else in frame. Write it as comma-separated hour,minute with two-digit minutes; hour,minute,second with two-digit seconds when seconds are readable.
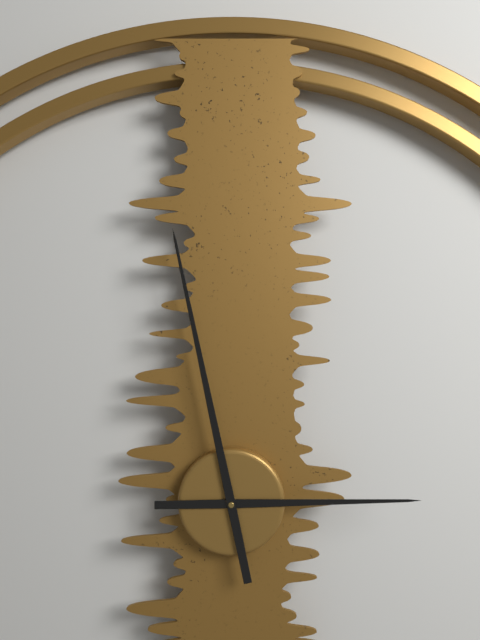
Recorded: 2,58
